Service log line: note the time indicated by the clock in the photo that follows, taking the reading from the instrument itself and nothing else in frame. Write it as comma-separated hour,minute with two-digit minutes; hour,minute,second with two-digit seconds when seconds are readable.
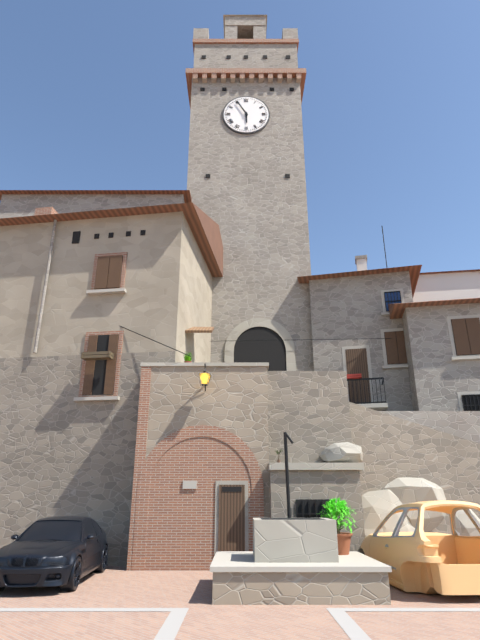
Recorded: 5,55
